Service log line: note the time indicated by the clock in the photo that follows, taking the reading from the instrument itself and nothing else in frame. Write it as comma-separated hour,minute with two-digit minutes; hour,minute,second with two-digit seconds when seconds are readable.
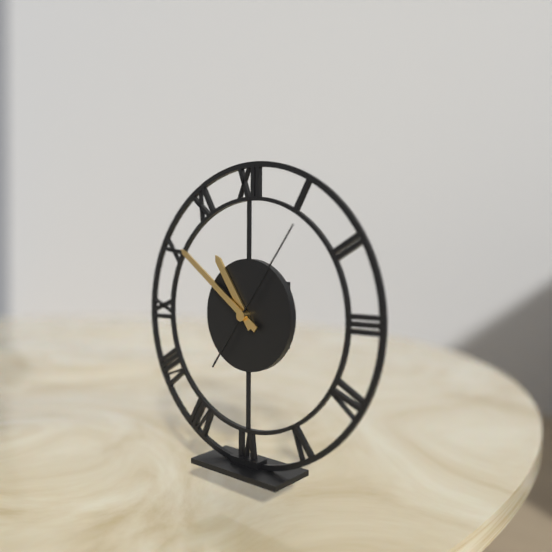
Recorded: 10,51,06
